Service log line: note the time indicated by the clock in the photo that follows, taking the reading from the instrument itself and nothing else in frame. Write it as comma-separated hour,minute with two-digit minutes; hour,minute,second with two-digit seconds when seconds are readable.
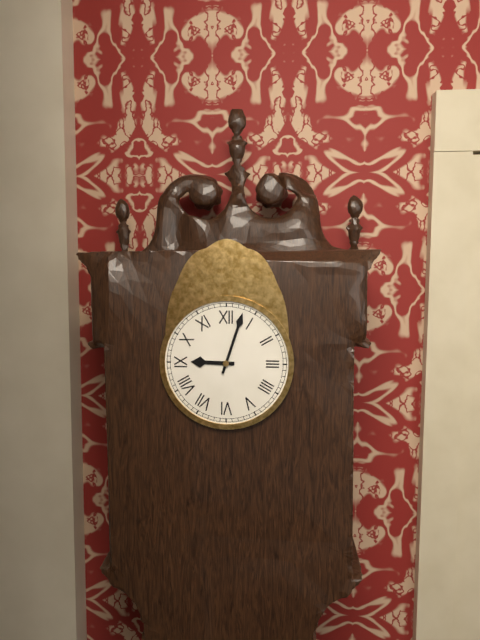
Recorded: 9,03
